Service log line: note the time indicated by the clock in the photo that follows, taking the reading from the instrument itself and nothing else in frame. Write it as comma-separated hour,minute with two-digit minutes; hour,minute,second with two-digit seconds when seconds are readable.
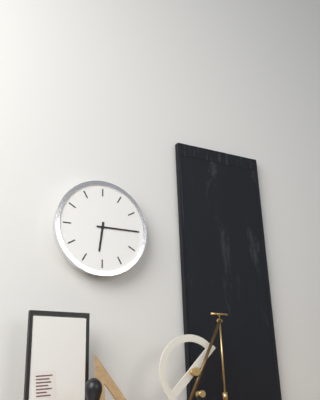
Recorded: 6,15
